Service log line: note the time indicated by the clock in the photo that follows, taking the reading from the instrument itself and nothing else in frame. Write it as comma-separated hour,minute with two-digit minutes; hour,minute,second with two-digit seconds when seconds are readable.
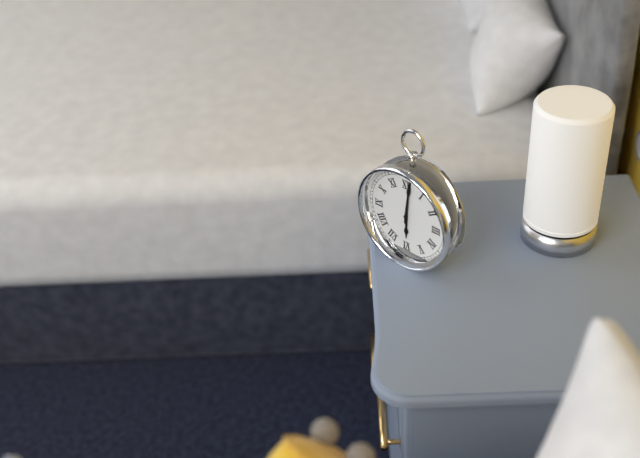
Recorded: 6,01
